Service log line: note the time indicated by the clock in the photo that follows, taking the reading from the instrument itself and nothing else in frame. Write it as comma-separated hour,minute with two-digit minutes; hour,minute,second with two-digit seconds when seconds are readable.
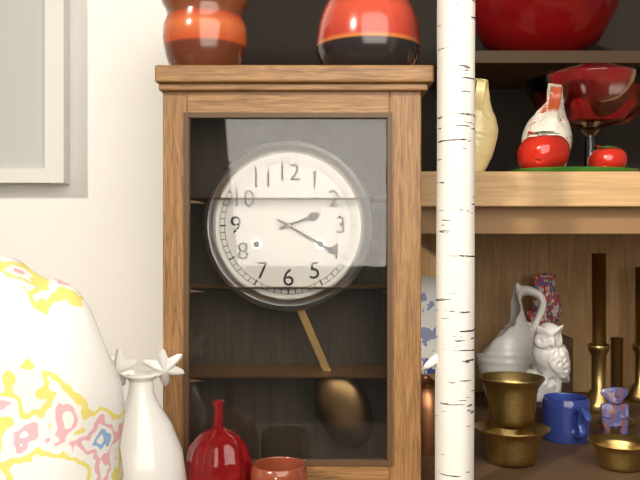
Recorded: 2,20
